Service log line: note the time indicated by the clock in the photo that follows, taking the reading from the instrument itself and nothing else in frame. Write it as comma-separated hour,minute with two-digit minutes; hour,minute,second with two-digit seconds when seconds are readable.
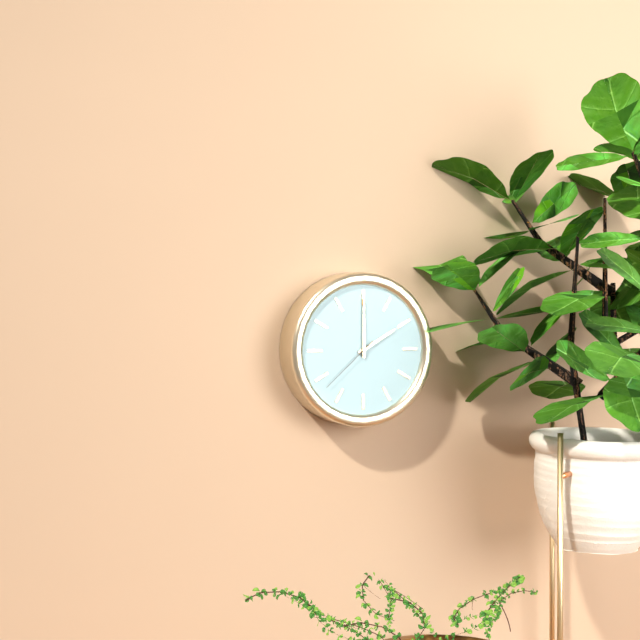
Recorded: 2,00,38
